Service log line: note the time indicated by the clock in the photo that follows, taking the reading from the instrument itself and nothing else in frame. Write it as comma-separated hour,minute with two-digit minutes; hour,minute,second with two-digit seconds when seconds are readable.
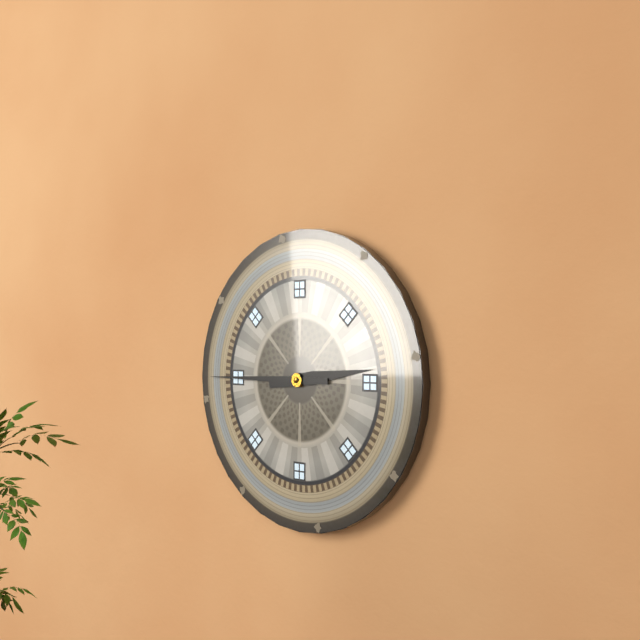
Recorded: 2,45
